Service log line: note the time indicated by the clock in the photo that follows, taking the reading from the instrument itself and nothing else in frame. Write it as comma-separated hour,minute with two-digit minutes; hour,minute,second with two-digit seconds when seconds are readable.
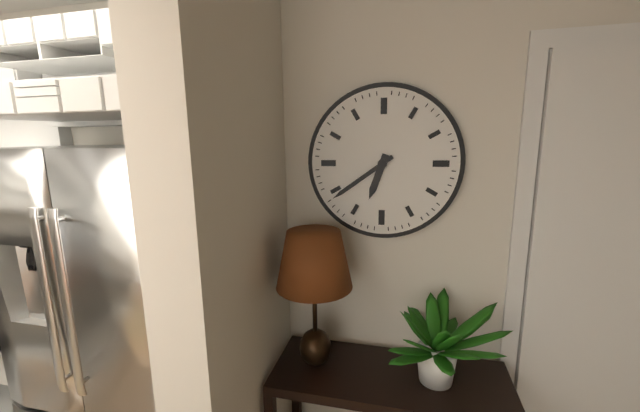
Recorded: 6,39
